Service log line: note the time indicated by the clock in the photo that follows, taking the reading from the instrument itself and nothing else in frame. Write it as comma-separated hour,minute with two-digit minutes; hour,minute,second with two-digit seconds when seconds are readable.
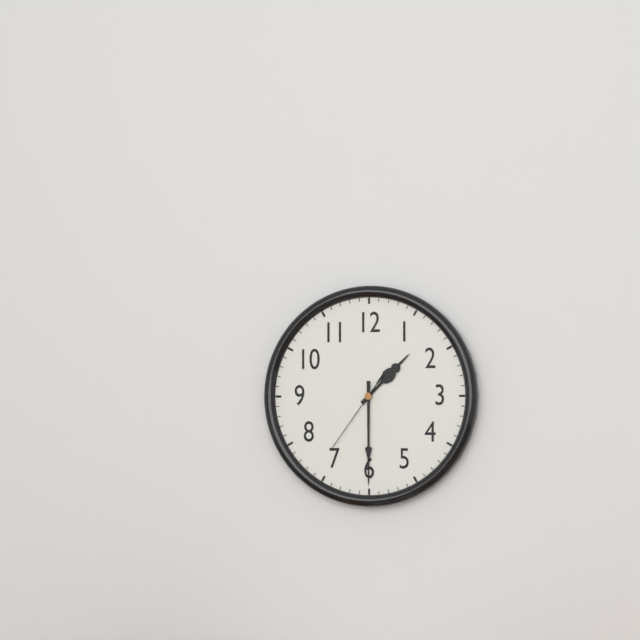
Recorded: 1,30,36
